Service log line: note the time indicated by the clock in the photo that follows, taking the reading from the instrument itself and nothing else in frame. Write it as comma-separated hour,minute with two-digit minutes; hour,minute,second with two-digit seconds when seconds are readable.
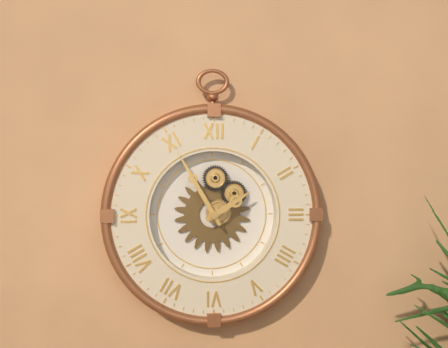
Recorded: 1,55
